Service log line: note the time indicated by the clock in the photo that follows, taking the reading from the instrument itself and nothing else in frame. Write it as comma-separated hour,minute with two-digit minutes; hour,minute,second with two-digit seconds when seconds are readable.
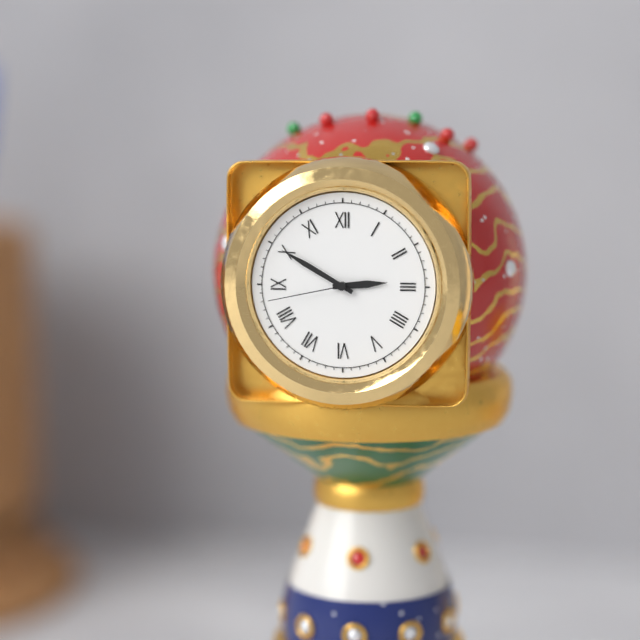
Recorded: 2,50,43
